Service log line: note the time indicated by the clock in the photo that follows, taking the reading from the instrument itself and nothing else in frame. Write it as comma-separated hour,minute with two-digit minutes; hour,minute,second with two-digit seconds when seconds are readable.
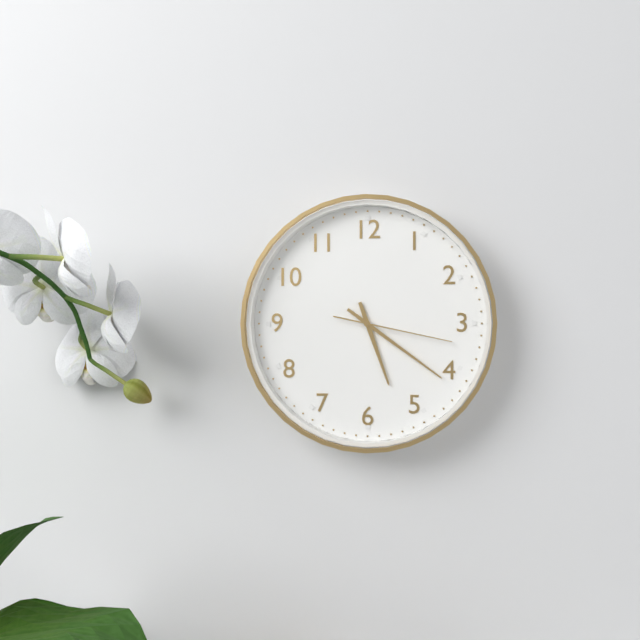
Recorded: 5,21,17
